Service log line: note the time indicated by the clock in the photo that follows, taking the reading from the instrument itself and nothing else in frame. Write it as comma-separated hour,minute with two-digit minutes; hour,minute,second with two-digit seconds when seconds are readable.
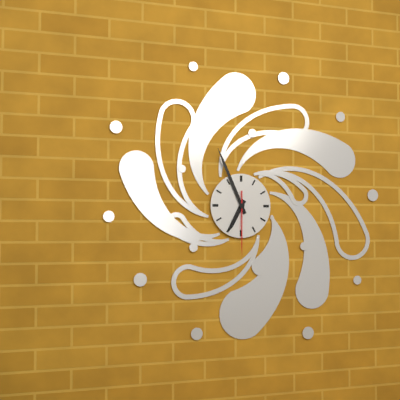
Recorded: 6,56,30
